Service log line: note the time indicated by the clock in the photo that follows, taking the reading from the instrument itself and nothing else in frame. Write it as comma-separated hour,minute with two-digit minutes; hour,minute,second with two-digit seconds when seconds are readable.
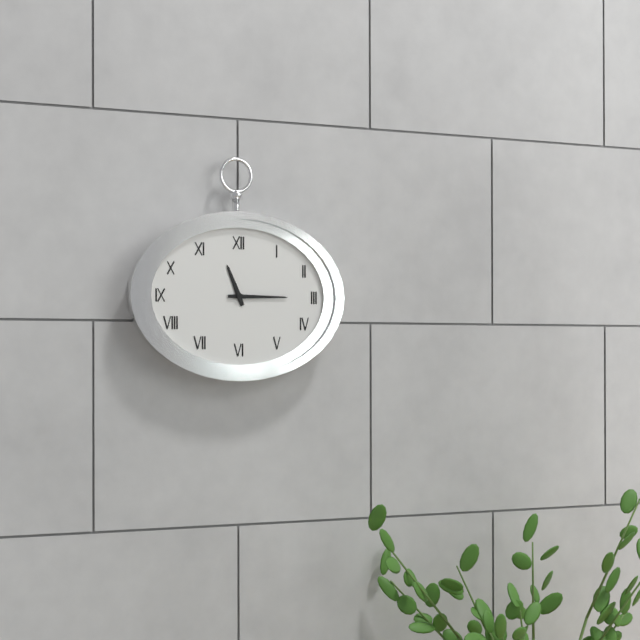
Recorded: 11,15
